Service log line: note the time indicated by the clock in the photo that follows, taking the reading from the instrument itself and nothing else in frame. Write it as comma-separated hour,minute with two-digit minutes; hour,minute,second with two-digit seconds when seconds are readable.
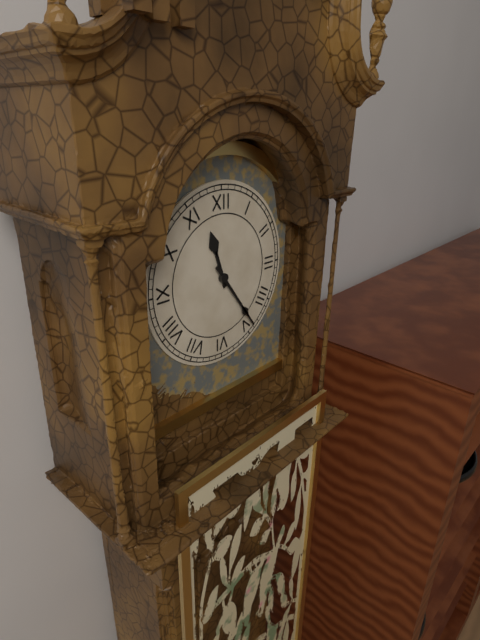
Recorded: 11,24
